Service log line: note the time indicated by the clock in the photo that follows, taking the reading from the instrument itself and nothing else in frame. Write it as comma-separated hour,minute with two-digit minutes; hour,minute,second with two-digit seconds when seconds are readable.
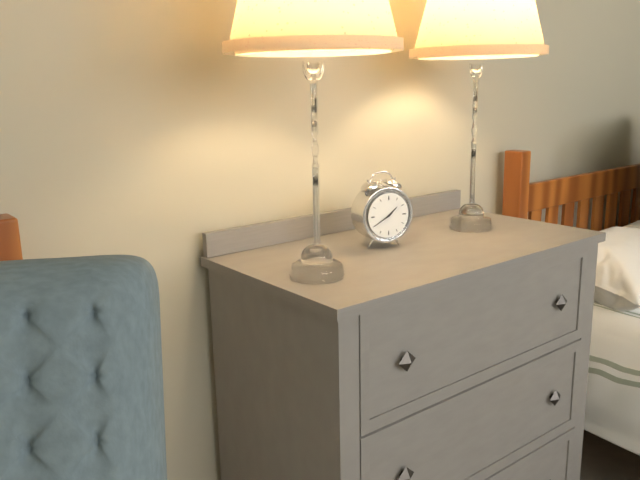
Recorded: 1,40
